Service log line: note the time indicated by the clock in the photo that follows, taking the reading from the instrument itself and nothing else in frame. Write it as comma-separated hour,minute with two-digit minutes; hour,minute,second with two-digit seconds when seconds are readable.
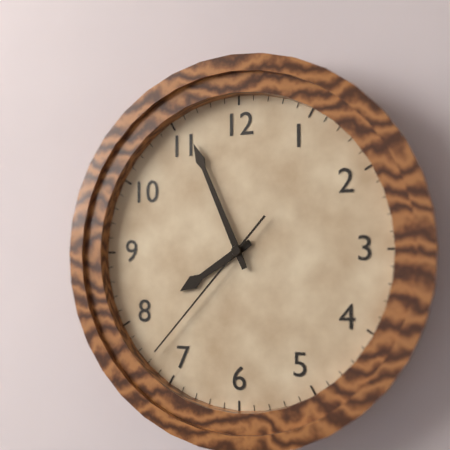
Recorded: 7,56,37
